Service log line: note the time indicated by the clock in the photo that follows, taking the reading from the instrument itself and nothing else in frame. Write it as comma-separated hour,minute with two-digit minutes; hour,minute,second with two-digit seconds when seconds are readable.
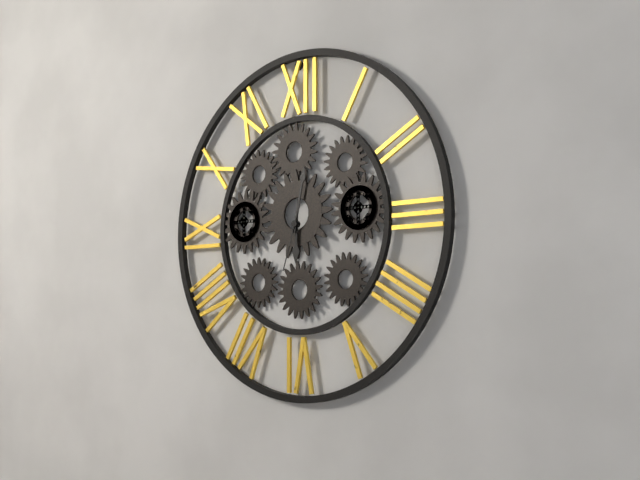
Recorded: 6,02,33
